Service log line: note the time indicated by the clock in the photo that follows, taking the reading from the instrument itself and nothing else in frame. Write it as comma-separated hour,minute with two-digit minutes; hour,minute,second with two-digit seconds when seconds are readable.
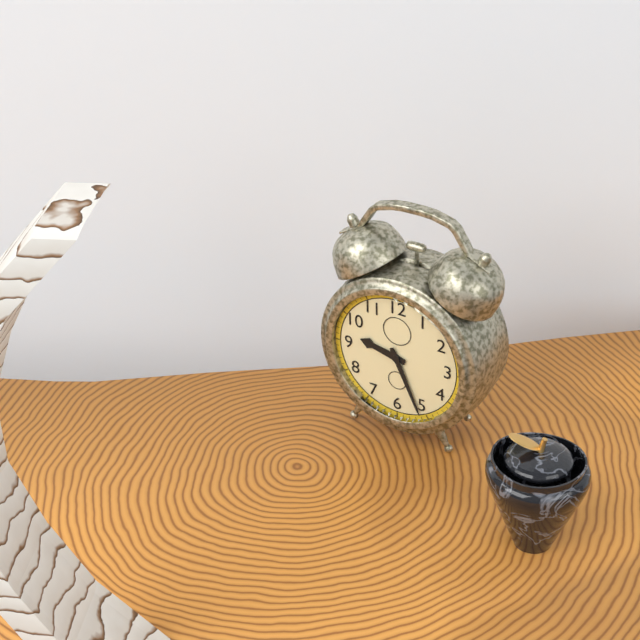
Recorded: 9,26
